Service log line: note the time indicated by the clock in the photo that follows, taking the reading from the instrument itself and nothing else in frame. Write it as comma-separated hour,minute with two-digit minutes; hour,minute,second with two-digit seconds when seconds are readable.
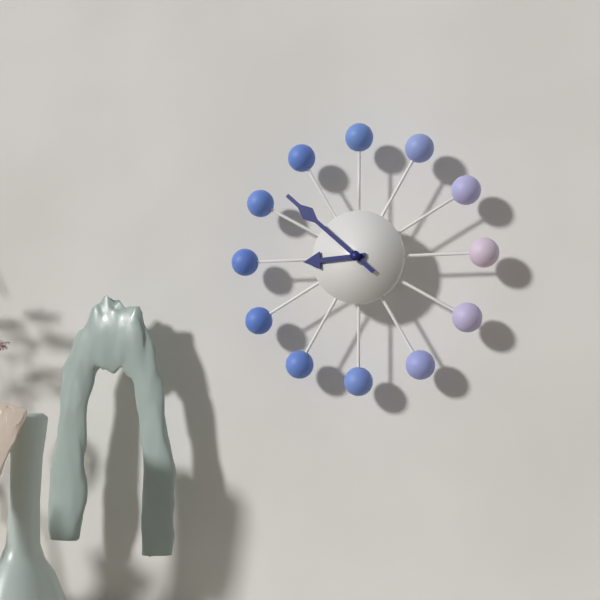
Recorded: 8,52
